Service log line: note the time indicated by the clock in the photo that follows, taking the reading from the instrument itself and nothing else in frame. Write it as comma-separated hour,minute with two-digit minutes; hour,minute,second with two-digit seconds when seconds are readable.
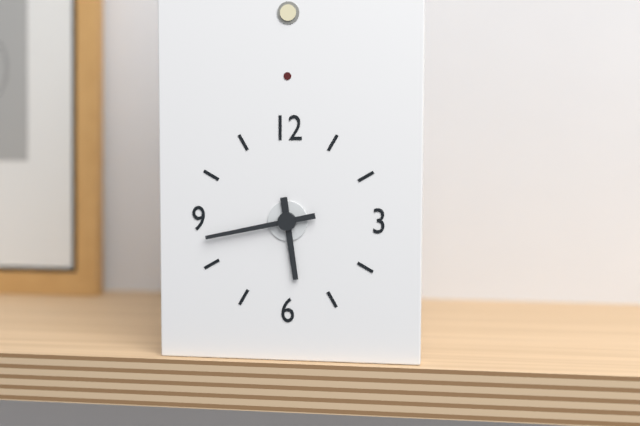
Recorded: 5,43
